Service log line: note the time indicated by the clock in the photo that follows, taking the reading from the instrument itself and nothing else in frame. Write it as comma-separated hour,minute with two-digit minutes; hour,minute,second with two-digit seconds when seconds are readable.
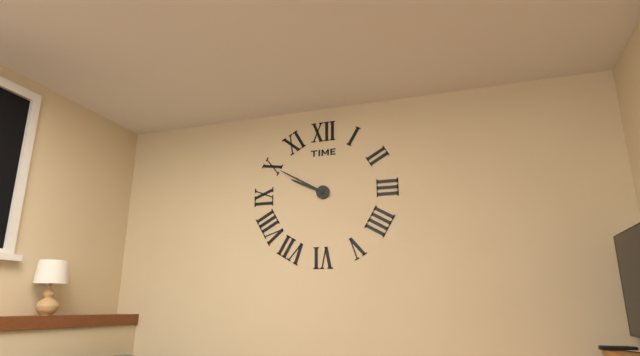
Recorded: 9,50
